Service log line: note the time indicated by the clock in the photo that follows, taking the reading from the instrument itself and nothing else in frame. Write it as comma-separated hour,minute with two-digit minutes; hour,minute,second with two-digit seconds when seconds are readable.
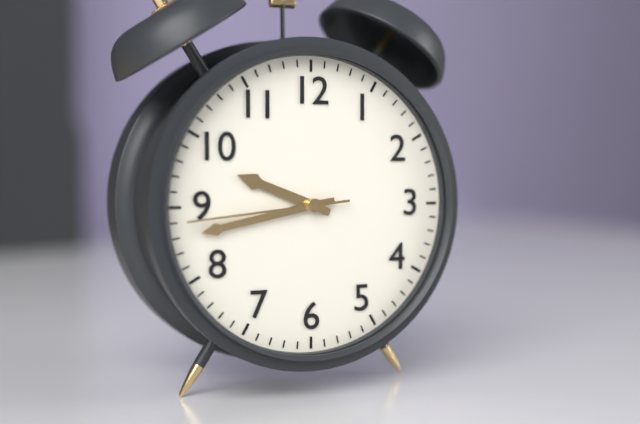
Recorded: 9,43,44
